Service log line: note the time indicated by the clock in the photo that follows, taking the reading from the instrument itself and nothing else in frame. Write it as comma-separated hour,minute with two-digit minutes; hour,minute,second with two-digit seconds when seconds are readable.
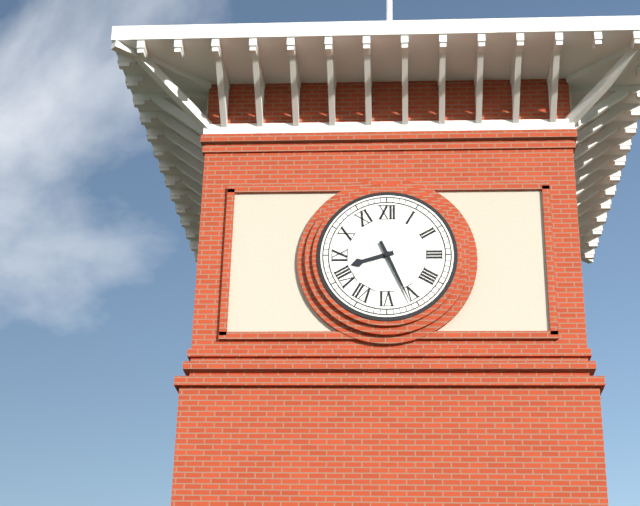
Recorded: 8,26
